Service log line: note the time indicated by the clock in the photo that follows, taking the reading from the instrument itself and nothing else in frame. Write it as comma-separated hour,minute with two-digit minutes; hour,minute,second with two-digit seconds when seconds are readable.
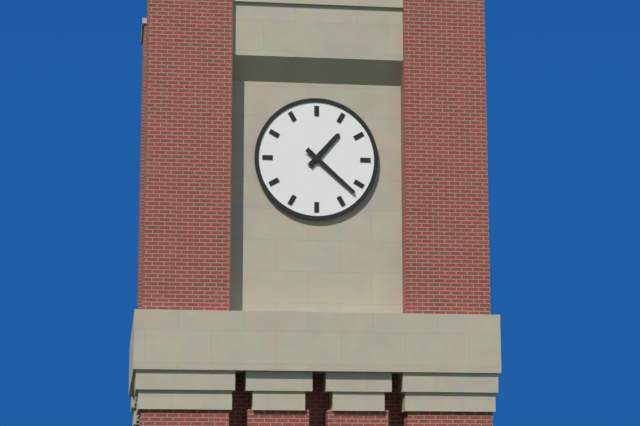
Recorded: 1,22
